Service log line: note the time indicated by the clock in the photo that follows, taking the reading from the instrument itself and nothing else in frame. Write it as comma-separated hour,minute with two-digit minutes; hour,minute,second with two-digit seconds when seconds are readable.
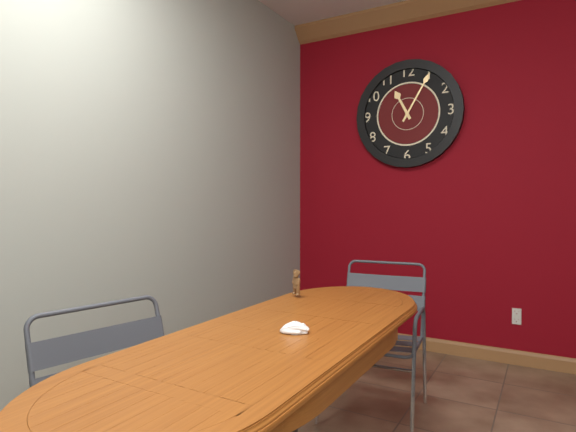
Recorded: 11,05
